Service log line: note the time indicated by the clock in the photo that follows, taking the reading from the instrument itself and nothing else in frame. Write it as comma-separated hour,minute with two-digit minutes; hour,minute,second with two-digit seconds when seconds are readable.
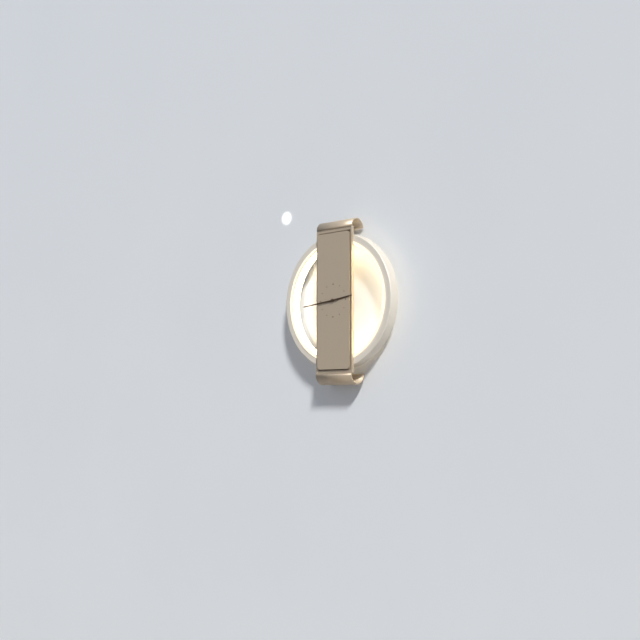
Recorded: 2,44
